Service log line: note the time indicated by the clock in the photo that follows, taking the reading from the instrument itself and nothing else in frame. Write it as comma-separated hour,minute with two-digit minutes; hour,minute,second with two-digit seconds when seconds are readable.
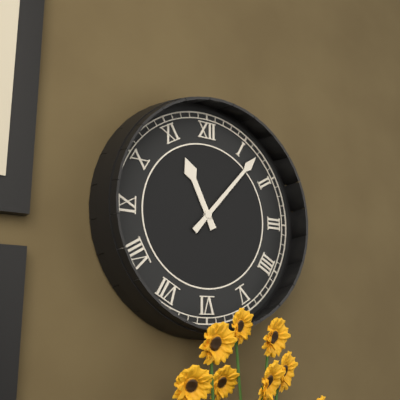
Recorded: 11,07
